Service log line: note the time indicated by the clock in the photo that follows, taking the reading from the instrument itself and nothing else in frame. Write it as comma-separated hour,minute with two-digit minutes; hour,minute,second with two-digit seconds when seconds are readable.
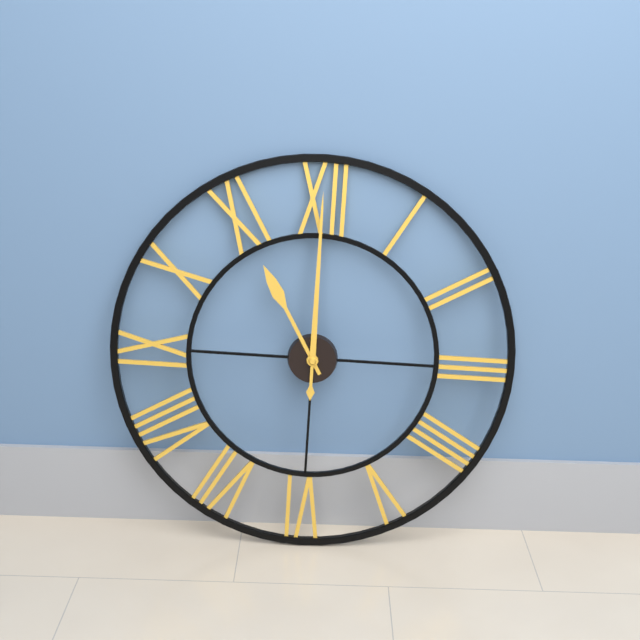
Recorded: 11,00
